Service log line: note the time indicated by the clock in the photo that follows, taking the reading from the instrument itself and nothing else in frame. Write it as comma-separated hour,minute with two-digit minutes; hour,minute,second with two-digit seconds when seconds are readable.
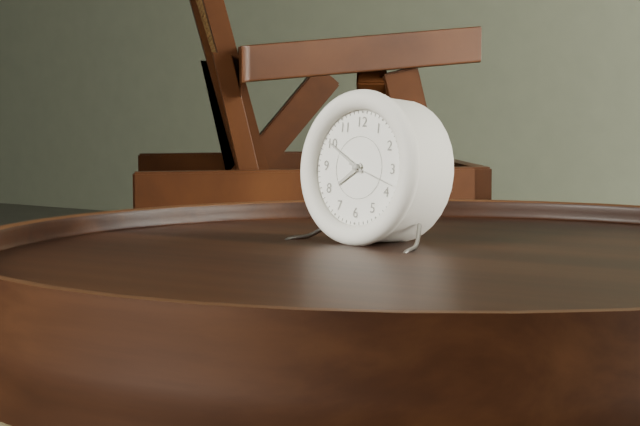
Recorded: 7,50,18
